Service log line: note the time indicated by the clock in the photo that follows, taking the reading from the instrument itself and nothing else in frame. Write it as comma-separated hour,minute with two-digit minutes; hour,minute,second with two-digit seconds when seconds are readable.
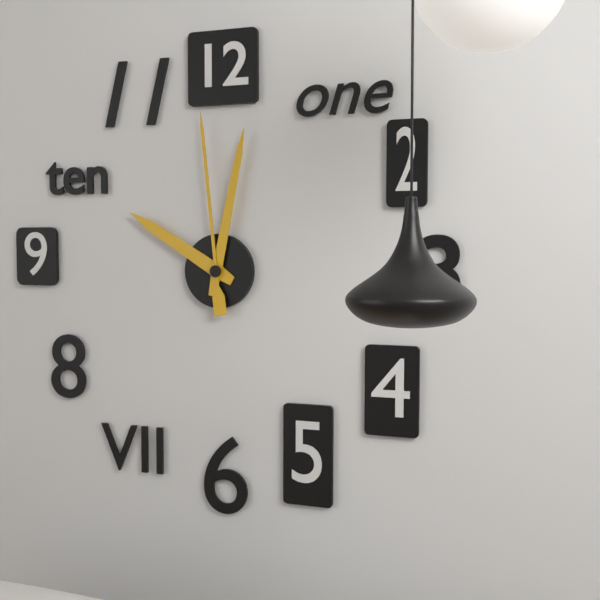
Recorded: 10,02,59
